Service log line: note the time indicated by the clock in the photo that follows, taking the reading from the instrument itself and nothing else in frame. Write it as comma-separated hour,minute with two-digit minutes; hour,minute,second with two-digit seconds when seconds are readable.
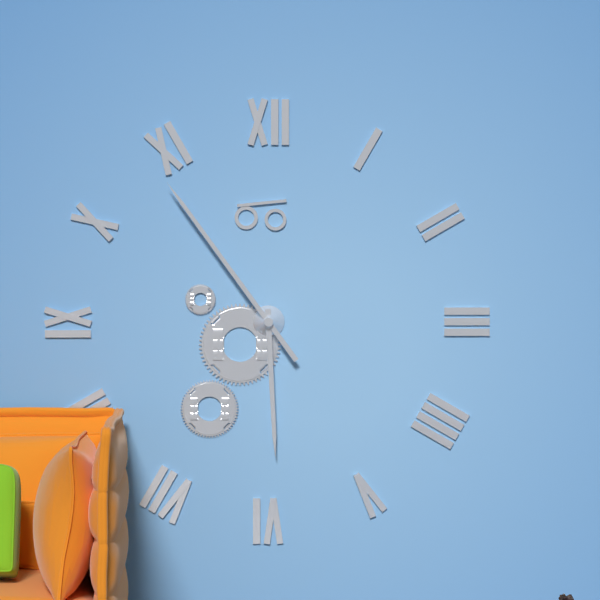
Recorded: 5,54
